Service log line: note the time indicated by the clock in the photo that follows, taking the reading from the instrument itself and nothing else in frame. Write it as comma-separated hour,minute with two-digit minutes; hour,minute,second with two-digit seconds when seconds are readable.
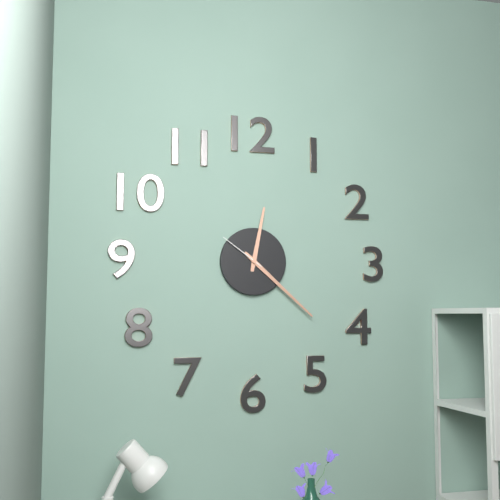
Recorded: 12,22
